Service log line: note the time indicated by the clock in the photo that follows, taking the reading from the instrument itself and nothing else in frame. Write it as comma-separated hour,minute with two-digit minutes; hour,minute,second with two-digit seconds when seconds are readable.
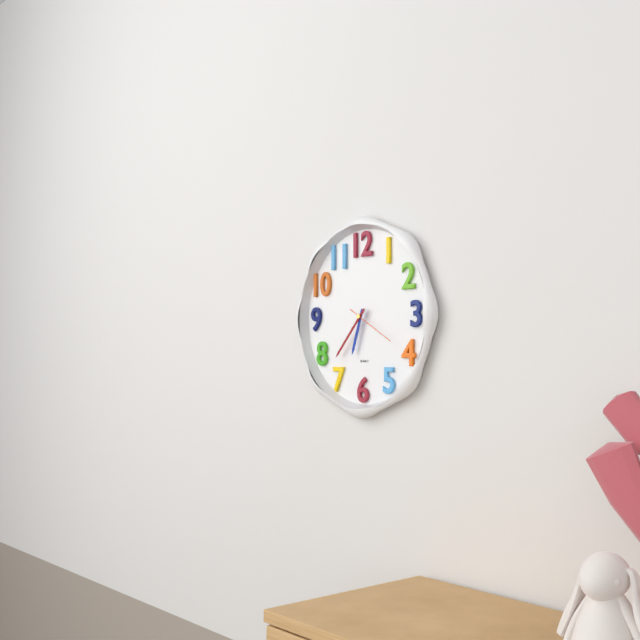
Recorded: 6,37
